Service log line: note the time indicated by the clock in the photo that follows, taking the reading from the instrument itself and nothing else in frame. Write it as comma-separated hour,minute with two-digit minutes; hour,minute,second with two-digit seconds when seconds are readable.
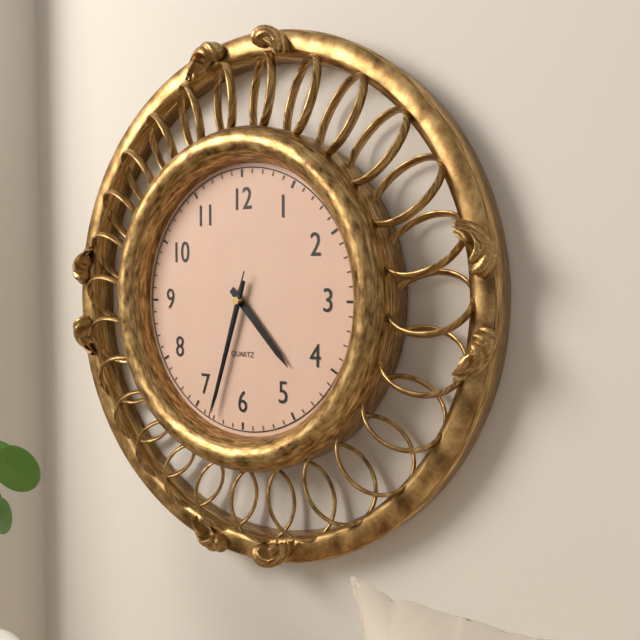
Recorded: 4,33,33
